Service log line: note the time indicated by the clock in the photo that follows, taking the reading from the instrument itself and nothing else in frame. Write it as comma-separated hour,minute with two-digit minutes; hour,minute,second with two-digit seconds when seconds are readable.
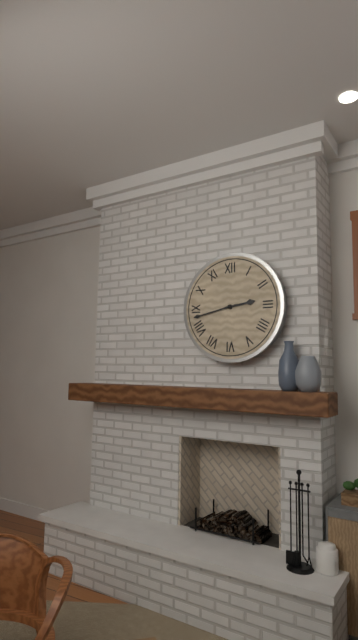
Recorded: 2,43
